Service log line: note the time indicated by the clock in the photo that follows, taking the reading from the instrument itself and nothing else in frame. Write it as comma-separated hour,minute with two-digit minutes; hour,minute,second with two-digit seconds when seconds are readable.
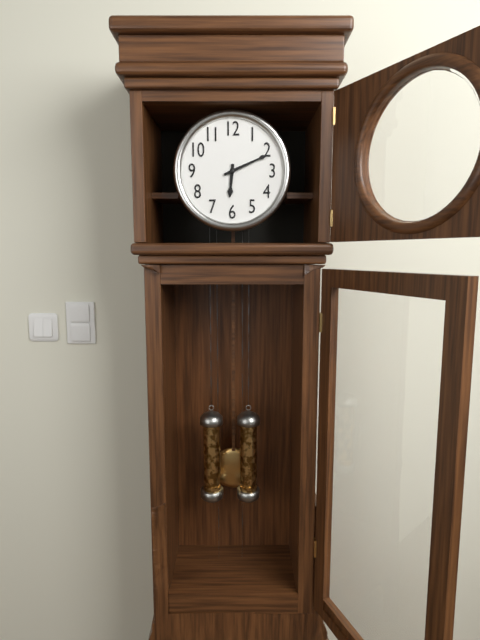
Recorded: 6,11
